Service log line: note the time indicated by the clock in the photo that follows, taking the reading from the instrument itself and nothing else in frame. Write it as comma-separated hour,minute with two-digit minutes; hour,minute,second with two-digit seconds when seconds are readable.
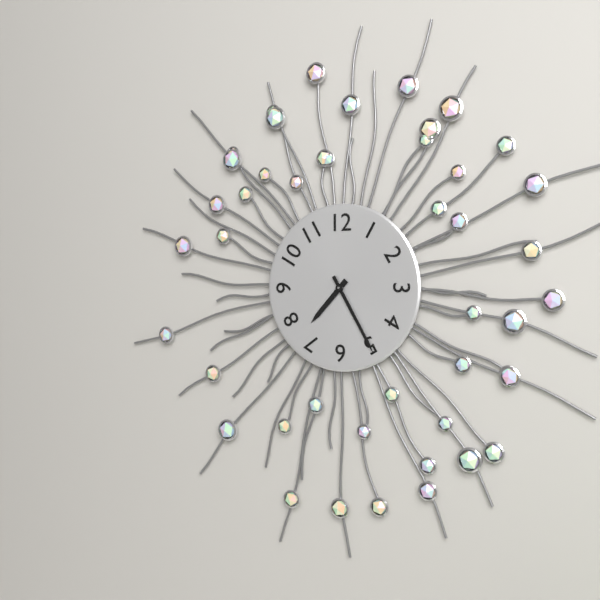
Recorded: 7,25
